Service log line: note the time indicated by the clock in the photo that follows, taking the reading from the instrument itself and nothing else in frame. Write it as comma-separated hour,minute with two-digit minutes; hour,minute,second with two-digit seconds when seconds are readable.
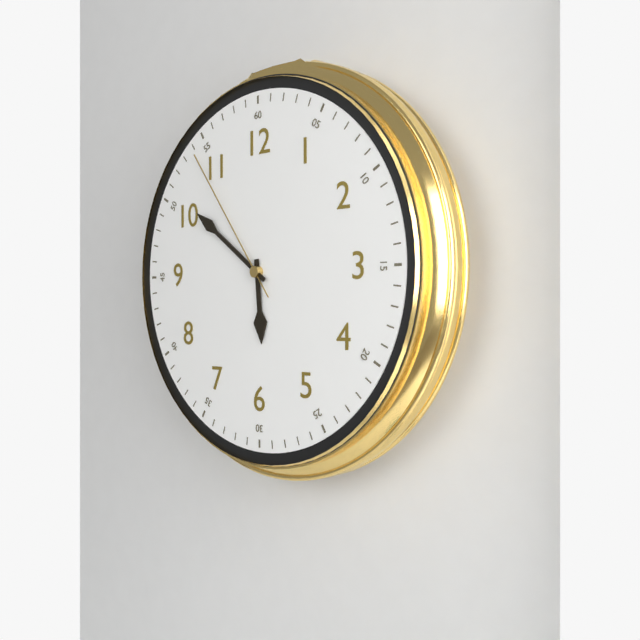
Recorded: 5,51,54
